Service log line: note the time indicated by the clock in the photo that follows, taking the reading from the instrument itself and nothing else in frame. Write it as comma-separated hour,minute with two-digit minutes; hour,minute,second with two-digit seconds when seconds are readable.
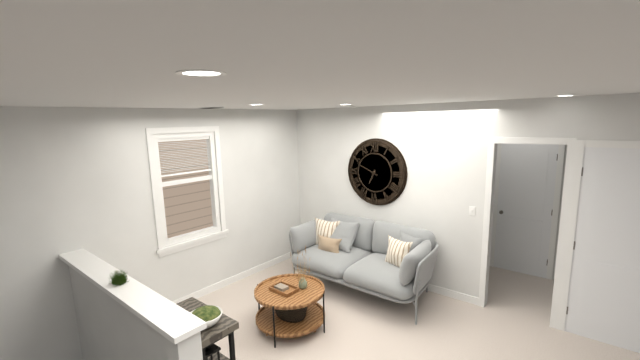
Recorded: 6,49
